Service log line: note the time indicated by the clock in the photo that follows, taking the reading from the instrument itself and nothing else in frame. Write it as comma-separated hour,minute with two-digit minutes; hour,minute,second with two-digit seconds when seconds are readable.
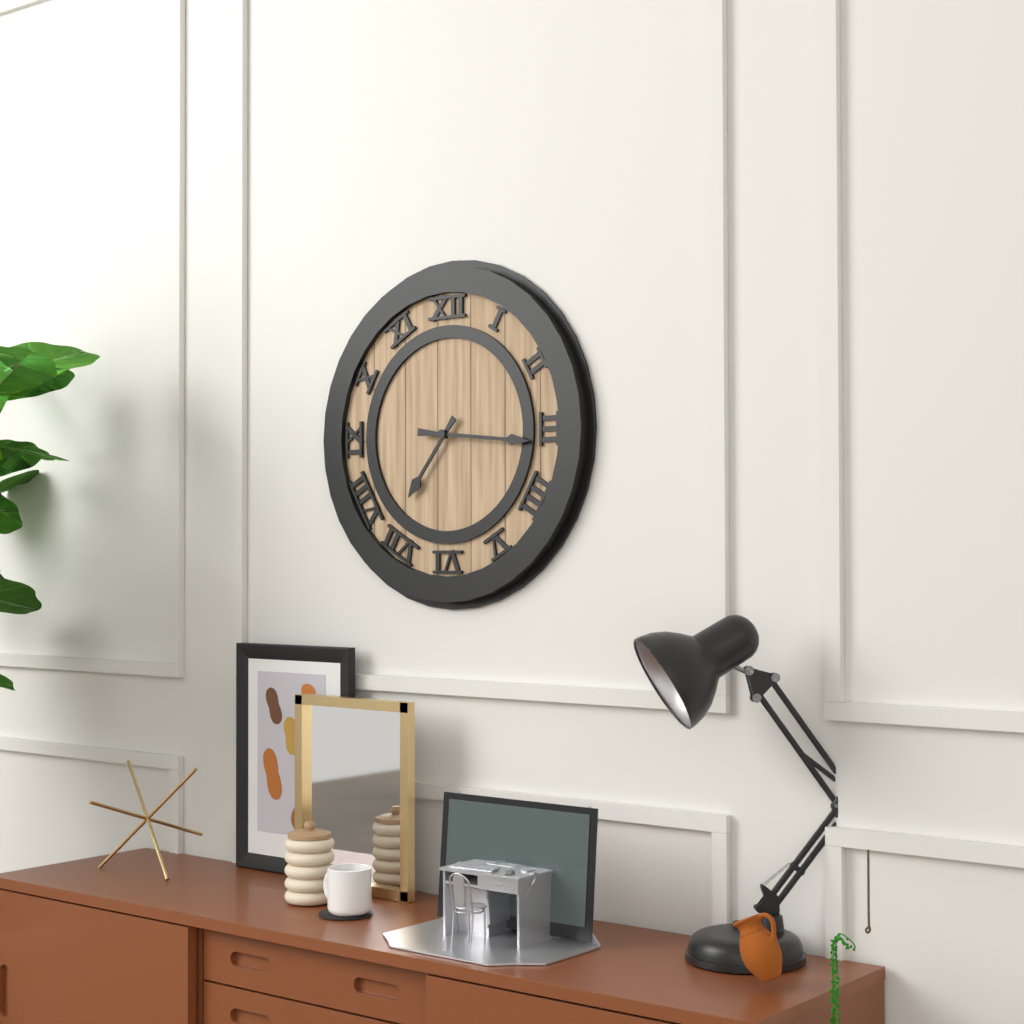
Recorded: 7,16
